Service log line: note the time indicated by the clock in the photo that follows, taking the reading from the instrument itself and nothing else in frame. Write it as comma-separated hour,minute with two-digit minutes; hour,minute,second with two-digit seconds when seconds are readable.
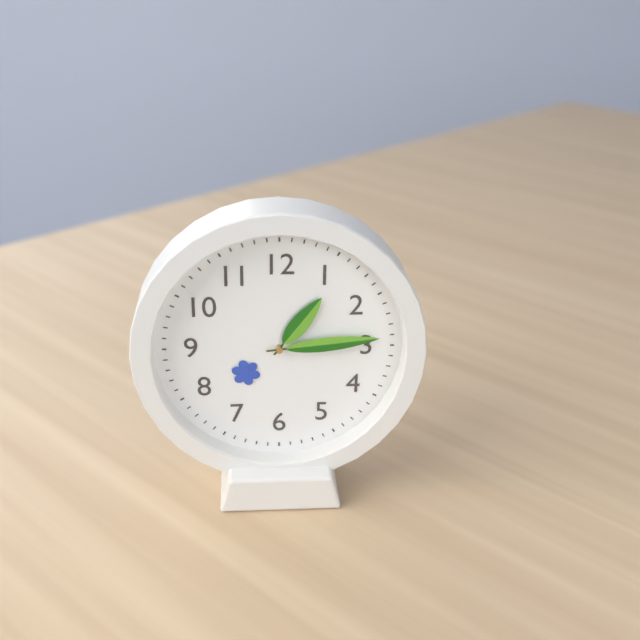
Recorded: 1,14
